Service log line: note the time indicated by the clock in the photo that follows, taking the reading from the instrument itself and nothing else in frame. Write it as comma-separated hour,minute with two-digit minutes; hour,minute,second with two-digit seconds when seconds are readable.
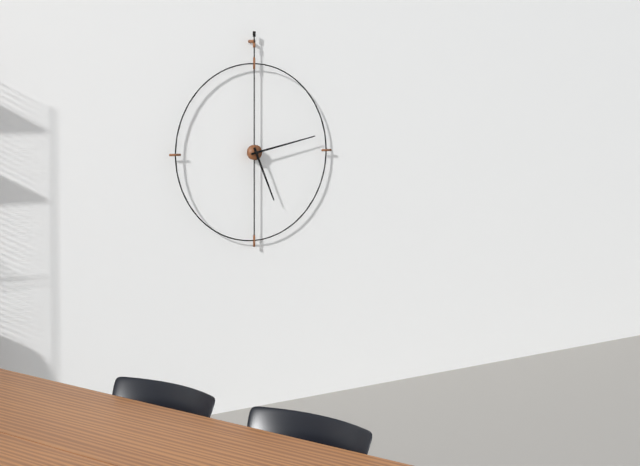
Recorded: 5,13
